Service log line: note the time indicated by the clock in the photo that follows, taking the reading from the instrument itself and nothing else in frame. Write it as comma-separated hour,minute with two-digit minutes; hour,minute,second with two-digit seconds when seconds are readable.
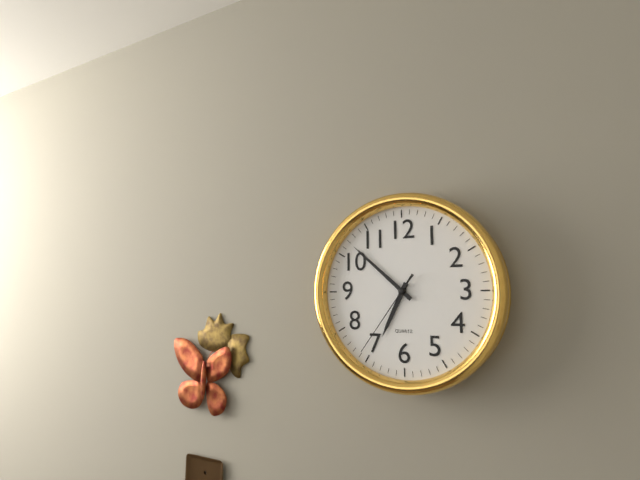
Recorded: 6,52,36
